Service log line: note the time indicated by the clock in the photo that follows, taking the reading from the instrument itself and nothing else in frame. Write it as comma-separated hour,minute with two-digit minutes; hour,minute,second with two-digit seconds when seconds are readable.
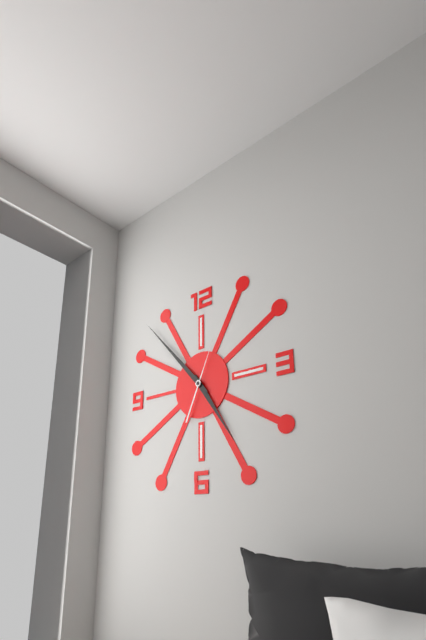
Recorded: 4,53,04
